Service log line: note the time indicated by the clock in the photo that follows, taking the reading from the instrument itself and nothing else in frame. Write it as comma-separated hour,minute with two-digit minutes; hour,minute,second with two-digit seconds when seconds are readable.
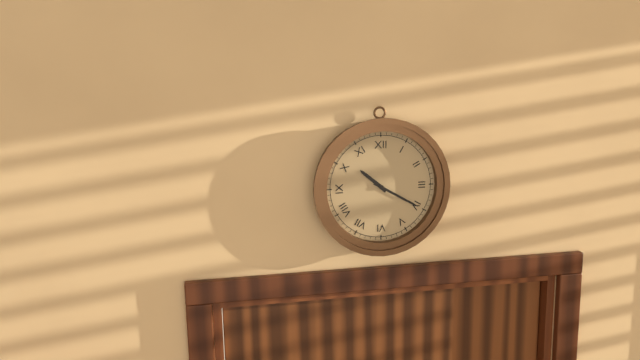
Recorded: 10,20
